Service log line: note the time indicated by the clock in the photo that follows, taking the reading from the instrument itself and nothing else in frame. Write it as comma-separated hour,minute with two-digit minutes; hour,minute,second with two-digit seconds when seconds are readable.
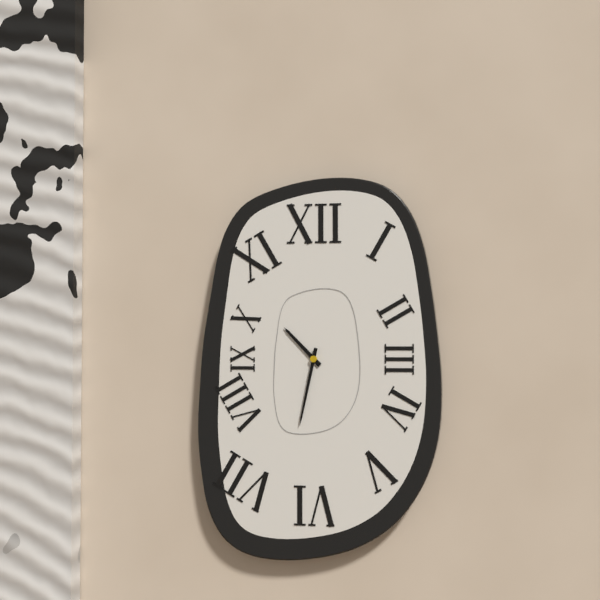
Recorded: 10,32
